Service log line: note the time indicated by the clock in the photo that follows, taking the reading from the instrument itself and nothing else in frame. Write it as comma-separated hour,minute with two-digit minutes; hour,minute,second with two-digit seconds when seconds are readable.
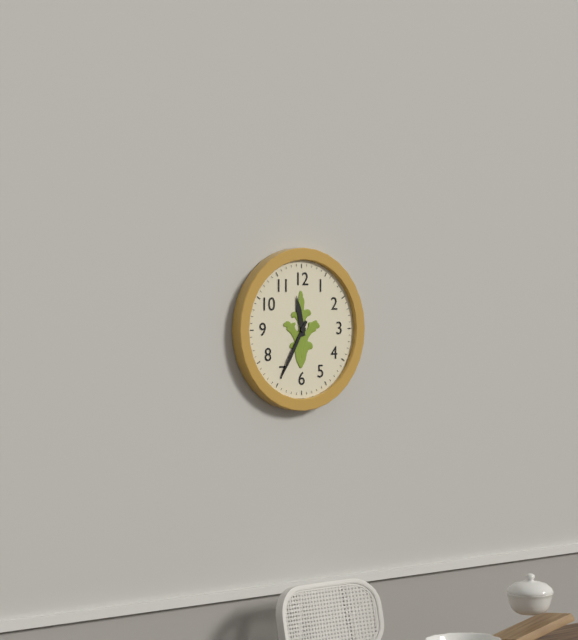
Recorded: 11,35
